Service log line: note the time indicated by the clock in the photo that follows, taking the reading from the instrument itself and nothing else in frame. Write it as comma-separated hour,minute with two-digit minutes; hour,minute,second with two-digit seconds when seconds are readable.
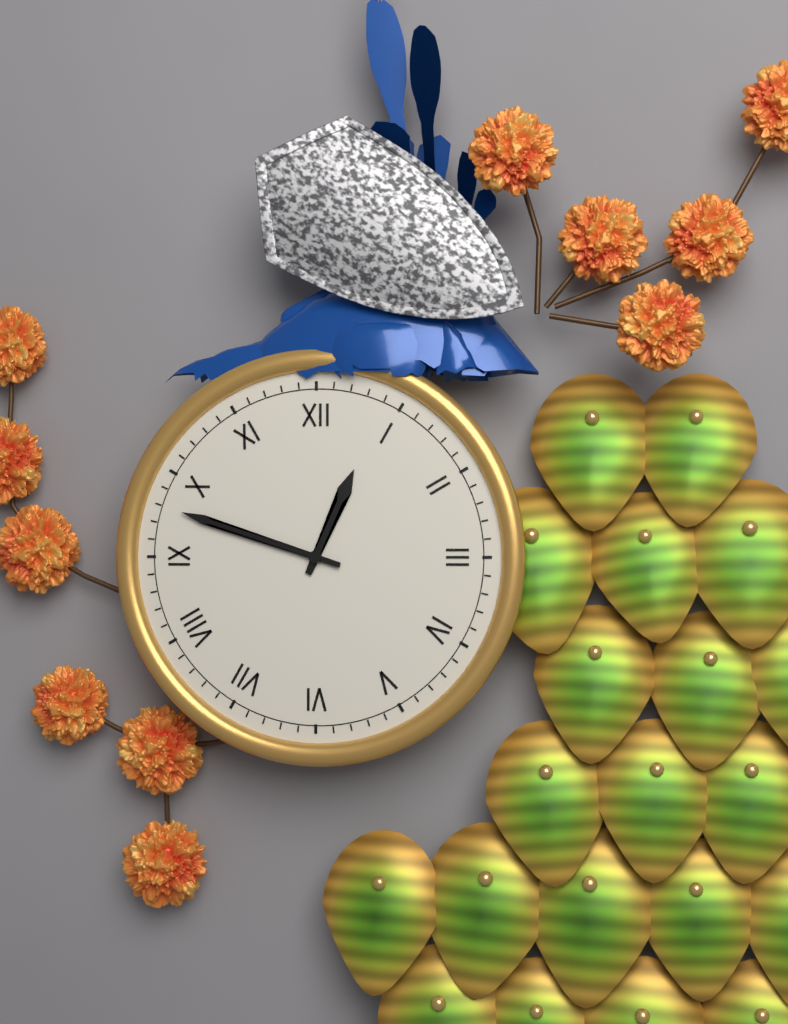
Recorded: 12,48
